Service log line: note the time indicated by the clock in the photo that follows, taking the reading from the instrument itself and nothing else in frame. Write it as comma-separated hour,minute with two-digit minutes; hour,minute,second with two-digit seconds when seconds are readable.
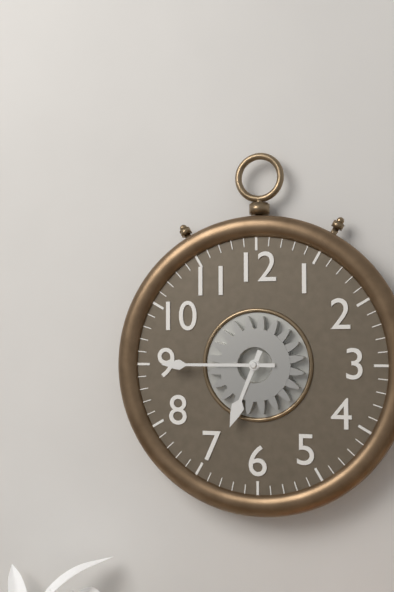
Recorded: 6,45
